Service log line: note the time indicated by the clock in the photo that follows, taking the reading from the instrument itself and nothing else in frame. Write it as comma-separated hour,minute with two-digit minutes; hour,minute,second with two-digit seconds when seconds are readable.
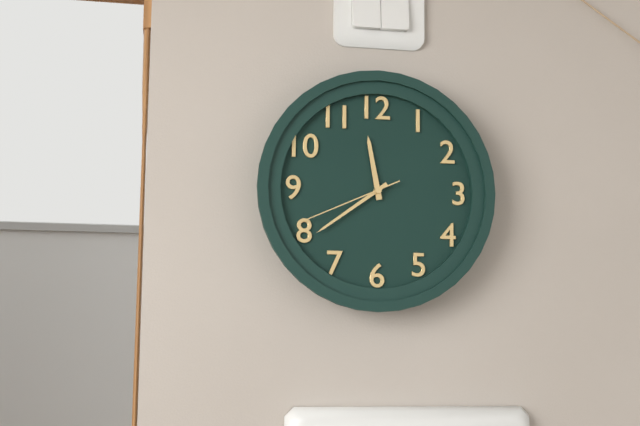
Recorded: 11,39,41
